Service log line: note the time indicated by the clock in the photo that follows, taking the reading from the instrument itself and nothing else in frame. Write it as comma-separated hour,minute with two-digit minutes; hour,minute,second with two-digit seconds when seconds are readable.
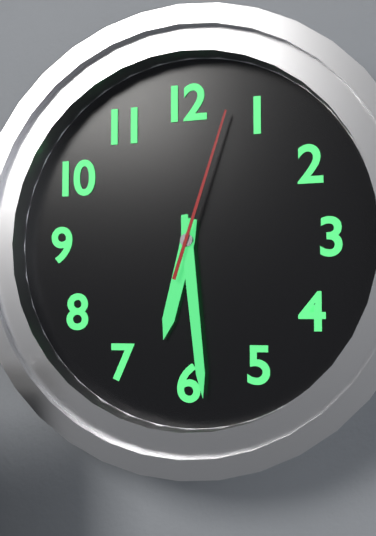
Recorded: 6,29,03
